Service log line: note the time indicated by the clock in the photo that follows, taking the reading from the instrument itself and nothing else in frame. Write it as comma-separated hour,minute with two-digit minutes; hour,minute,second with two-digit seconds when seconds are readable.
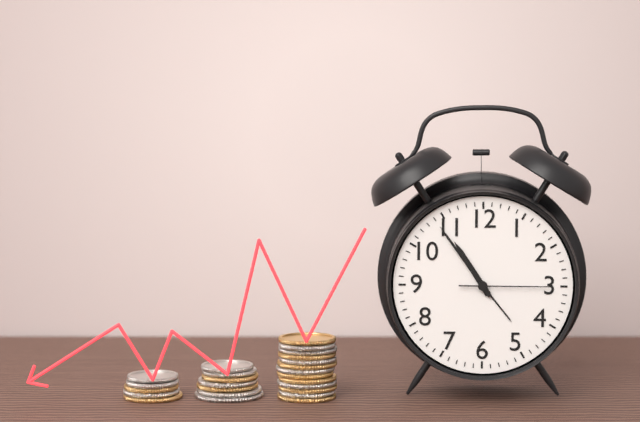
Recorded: 10,54,15
